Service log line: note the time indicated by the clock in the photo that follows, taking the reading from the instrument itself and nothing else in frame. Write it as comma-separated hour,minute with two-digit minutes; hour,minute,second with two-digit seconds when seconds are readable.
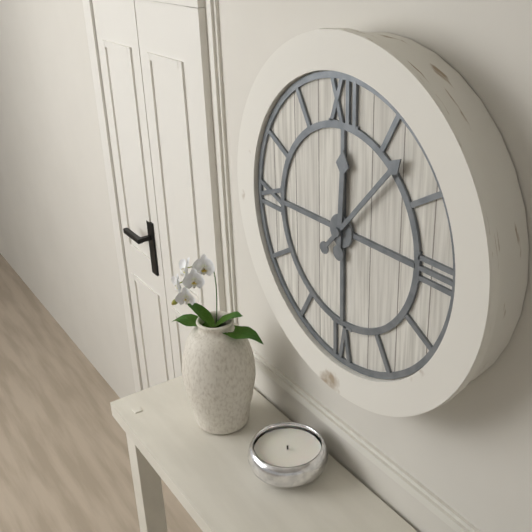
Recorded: 12,07
